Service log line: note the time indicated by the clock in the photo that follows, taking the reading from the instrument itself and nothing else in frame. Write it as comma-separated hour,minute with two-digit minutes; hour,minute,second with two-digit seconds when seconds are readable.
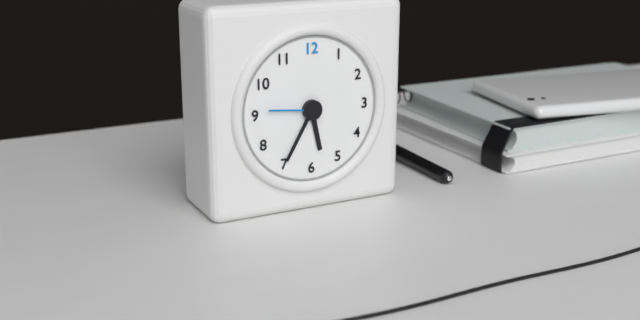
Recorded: 5,35,46
